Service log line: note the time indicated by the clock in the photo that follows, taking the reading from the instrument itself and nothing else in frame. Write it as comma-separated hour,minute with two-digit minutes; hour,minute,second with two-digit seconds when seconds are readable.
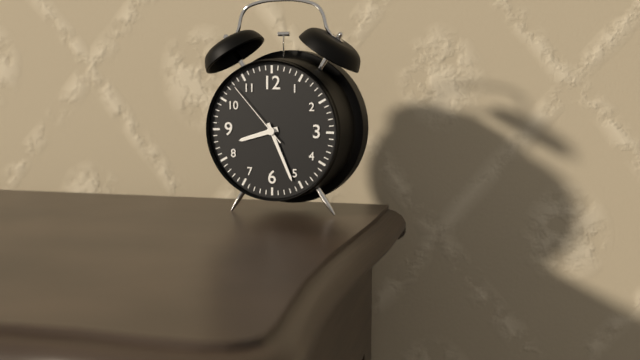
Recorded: 8,26,53
